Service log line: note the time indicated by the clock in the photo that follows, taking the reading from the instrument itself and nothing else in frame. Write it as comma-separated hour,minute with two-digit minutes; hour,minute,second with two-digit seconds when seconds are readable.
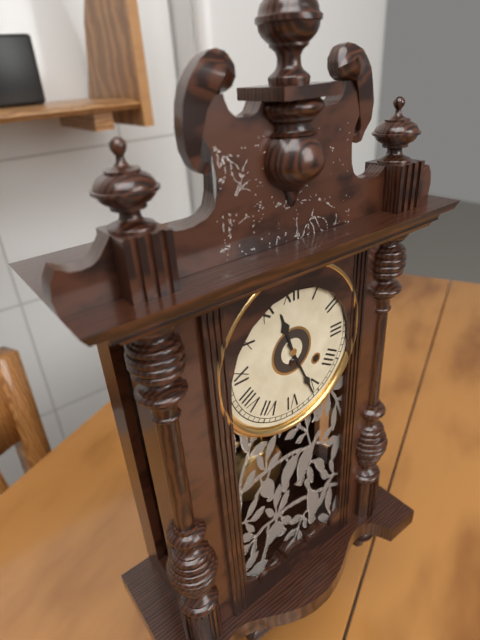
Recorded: 11,26
